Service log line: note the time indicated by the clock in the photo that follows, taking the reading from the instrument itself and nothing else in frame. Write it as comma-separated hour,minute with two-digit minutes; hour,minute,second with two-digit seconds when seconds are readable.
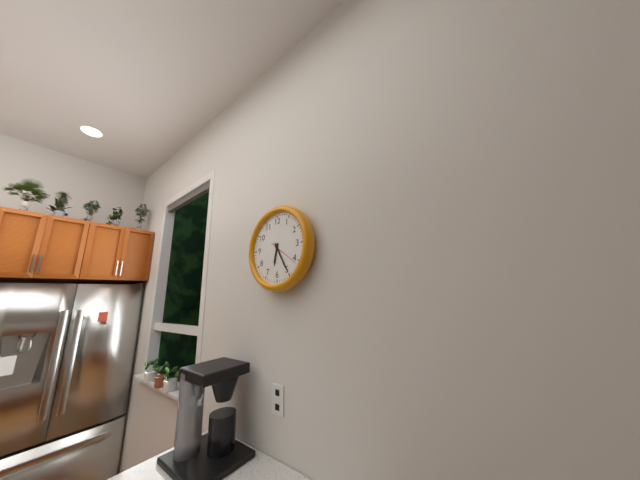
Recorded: 6,25
